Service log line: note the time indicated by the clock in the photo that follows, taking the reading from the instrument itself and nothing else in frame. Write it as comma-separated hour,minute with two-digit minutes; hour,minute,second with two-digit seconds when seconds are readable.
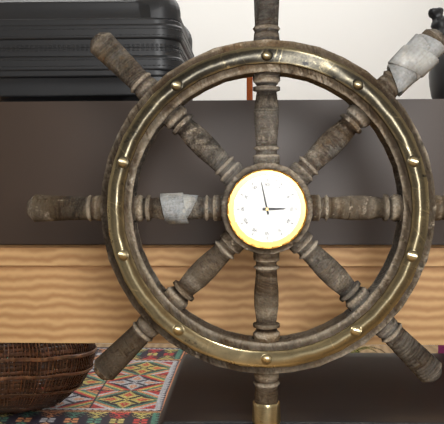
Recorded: 2,58
